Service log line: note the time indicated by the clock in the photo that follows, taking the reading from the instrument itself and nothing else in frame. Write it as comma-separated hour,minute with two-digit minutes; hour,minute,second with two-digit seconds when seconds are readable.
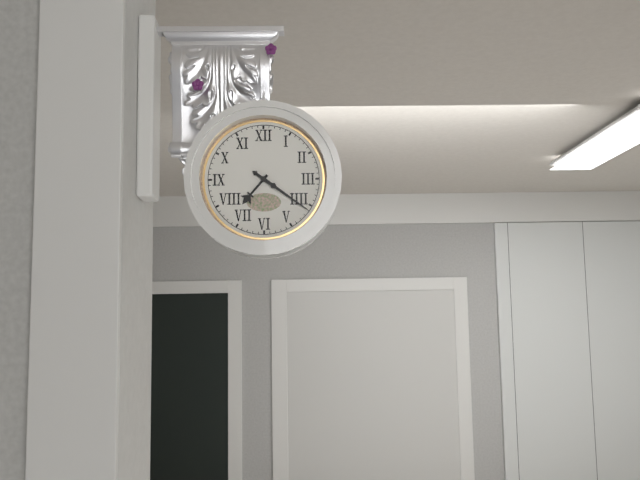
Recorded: 7,21
